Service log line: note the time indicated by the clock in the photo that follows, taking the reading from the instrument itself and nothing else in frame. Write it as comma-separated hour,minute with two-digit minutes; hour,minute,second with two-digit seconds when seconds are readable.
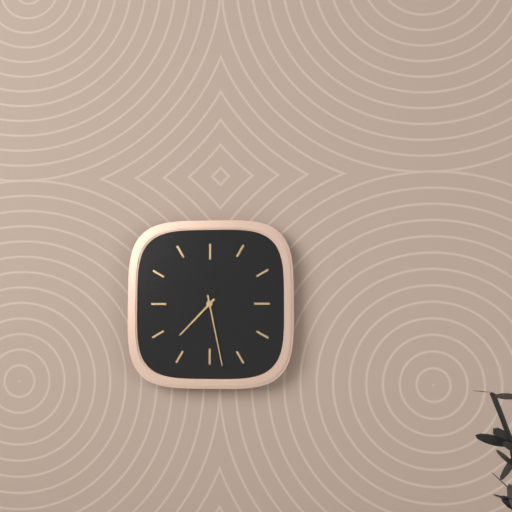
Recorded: 7,28
